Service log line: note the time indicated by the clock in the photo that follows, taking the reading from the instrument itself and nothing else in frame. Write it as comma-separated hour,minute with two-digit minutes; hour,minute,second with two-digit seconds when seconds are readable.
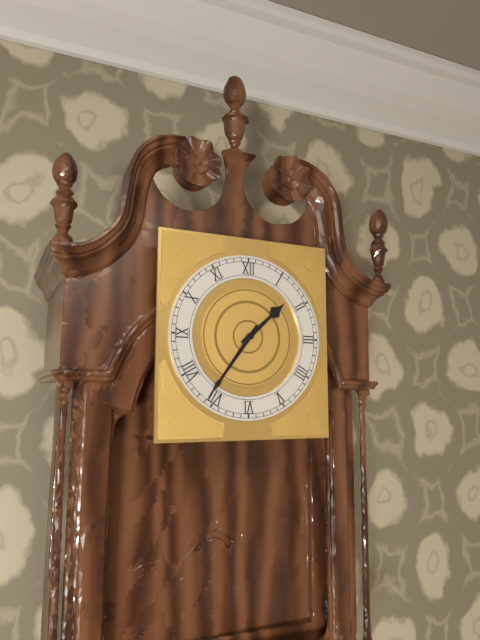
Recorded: 1,36
